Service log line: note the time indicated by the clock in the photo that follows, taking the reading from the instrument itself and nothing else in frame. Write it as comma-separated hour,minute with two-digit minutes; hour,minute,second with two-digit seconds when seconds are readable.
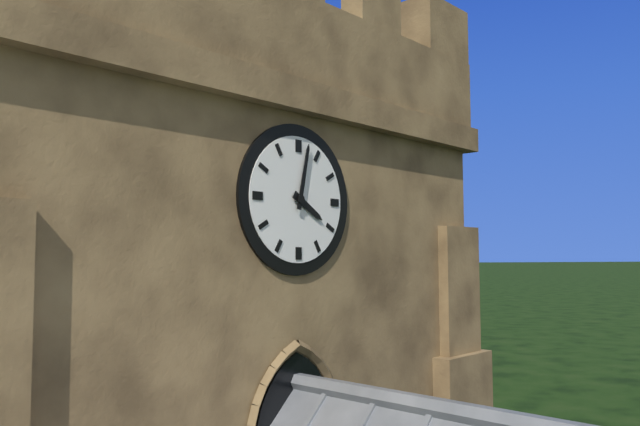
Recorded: 4,02
